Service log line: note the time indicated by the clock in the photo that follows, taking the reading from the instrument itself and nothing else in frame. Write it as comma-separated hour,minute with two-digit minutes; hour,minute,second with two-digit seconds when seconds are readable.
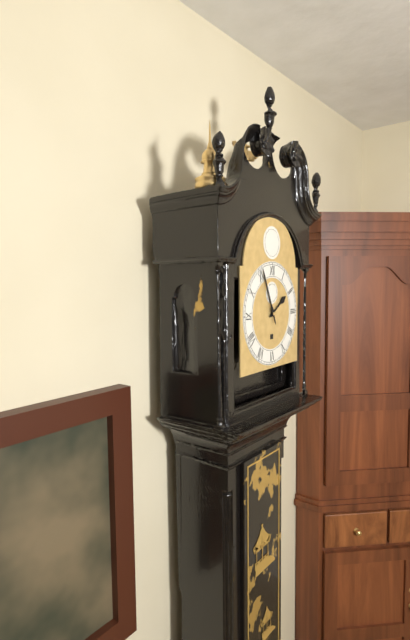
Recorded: 1,56
